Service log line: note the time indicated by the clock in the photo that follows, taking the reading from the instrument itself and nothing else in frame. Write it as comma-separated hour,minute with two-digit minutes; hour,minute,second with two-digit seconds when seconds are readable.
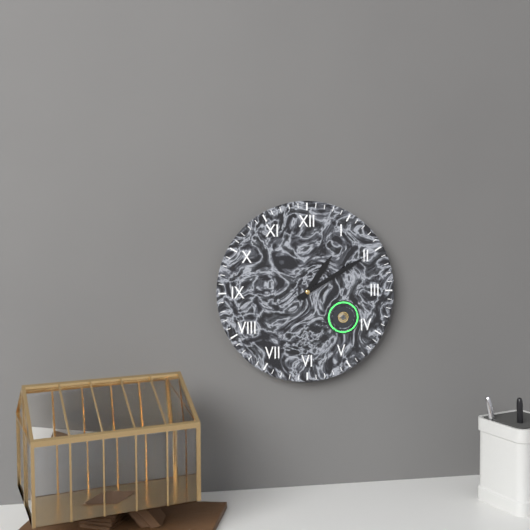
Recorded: 1,10
